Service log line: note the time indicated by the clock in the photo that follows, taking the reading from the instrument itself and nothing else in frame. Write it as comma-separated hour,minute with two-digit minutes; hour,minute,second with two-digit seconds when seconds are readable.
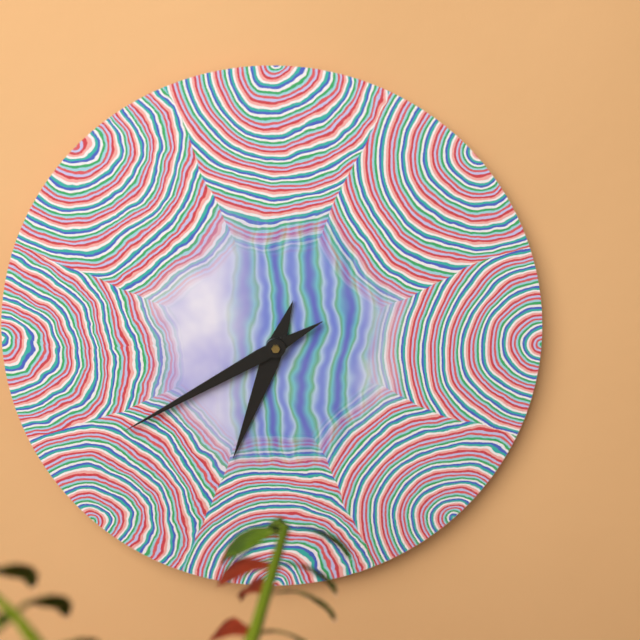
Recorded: 6,40
